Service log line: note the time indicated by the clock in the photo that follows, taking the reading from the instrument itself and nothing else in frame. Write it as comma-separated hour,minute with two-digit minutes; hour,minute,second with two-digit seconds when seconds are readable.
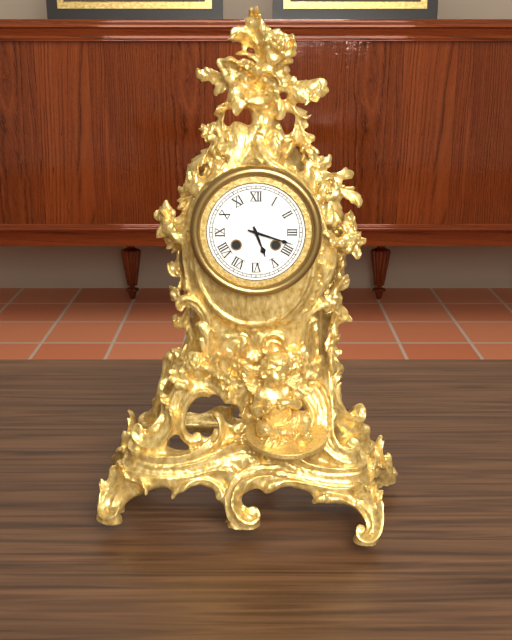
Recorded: 5,18
